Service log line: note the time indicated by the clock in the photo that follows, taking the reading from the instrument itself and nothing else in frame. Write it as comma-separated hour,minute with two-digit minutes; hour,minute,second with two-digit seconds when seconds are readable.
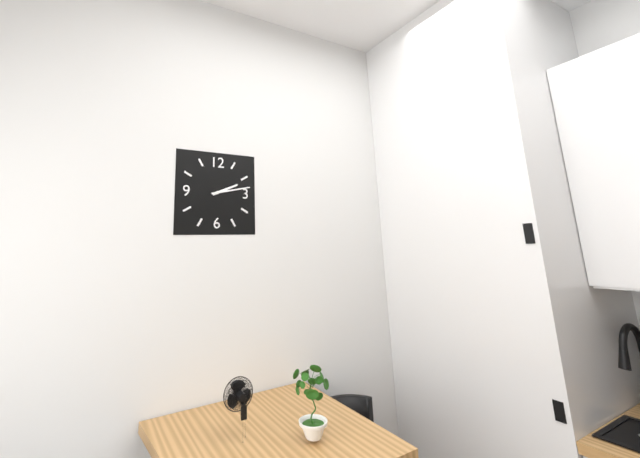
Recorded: 2,13
